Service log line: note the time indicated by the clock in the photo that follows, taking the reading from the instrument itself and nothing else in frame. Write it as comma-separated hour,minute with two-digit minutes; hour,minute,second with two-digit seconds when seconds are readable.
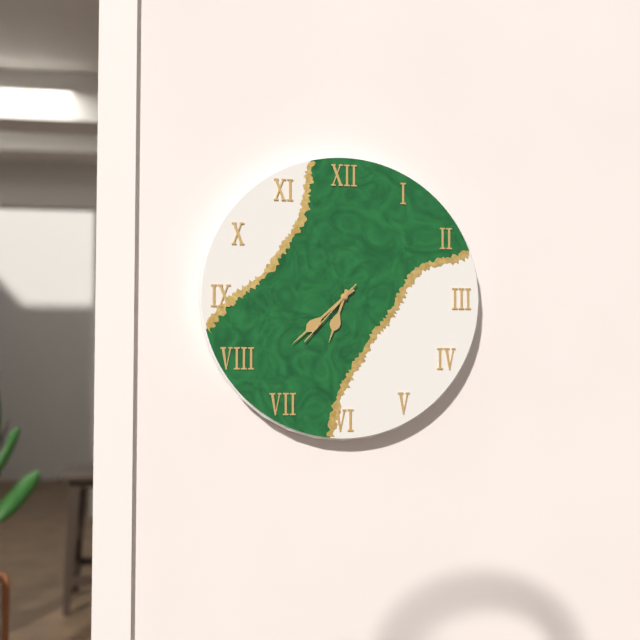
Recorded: 6,38,37
